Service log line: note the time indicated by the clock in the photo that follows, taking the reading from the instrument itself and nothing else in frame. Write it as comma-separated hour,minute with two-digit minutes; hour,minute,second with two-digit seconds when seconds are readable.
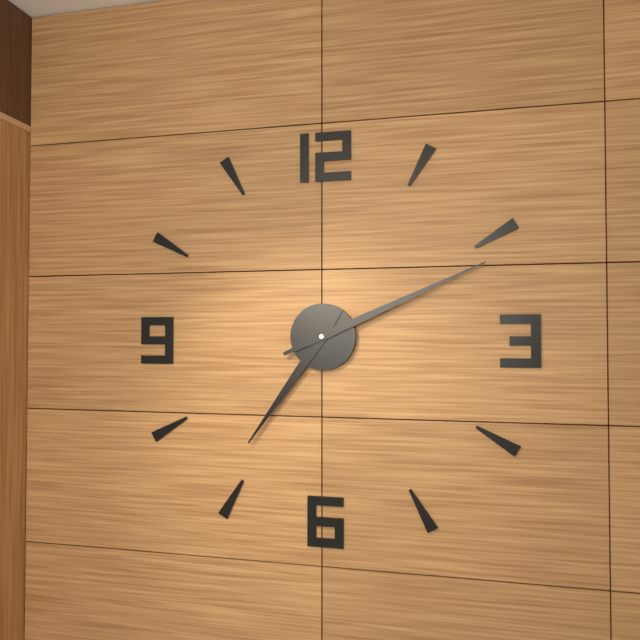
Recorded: 7,11
